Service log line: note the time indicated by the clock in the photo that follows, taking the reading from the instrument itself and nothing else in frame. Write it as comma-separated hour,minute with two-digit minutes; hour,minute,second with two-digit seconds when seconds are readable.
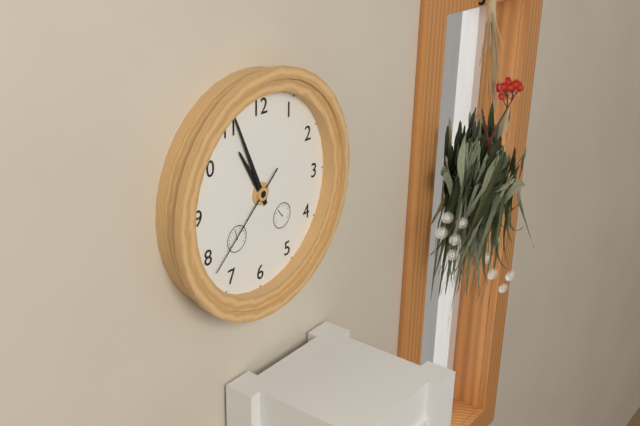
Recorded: 10,56,38
